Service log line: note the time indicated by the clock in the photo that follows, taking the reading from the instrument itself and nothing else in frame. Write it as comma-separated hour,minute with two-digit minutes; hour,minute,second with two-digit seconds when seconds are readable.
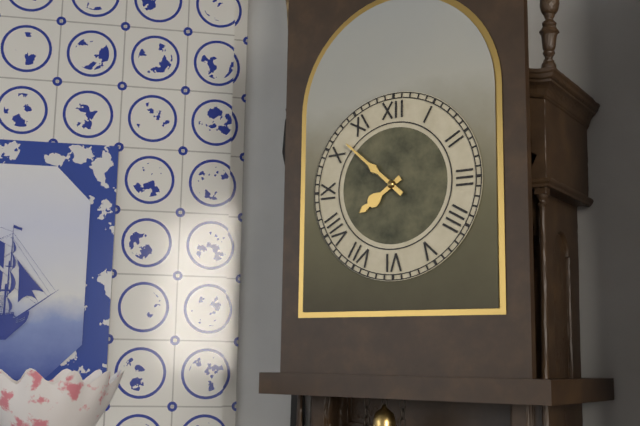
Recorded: 7,52
